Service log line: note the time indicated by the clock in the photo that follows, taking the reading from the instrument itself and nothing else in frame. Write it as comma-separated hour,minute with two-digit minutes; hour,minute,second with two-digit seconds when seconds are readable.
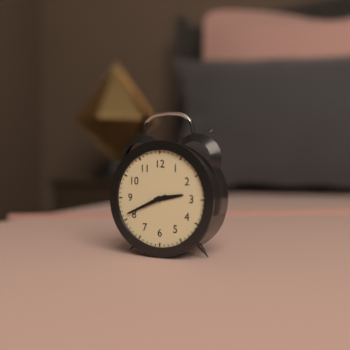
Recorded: 2,41
